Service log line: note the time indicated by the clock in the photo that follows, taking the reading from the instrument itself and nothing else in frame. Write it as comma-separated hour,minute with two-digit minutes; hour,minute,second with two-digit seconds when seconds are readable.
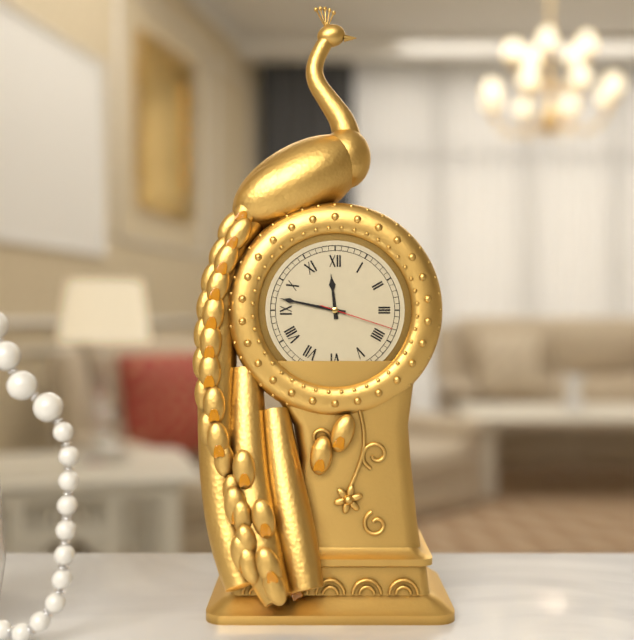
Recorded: 11,47,18
